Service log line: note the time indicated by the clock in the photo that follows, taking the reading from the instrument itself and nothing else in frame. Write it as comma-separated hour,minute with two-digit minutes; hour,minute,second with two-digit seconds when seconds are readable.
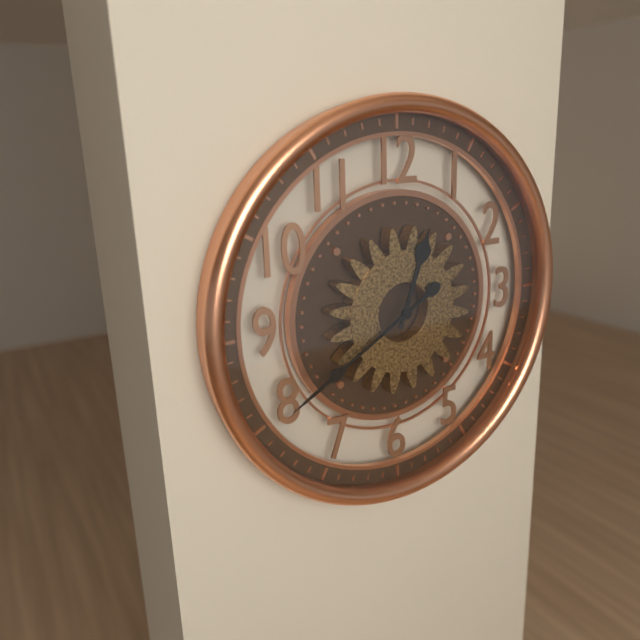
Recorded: 12,40
